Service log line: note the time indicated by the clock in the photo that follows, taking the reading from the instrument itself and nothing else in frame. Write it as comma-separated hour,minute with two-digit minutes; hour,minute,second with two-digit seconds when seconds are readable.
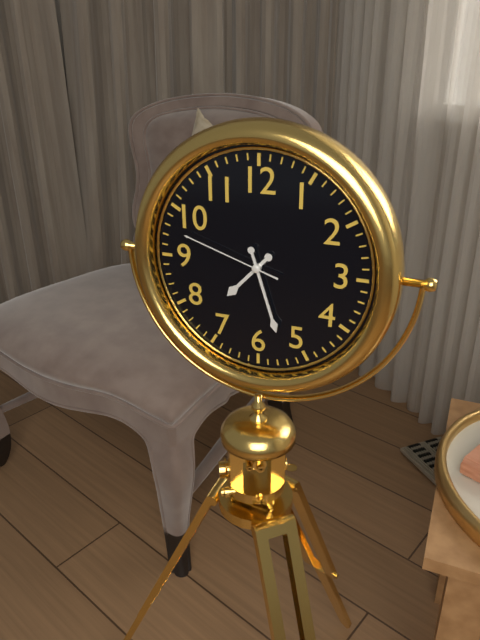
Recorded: 7,27,48
